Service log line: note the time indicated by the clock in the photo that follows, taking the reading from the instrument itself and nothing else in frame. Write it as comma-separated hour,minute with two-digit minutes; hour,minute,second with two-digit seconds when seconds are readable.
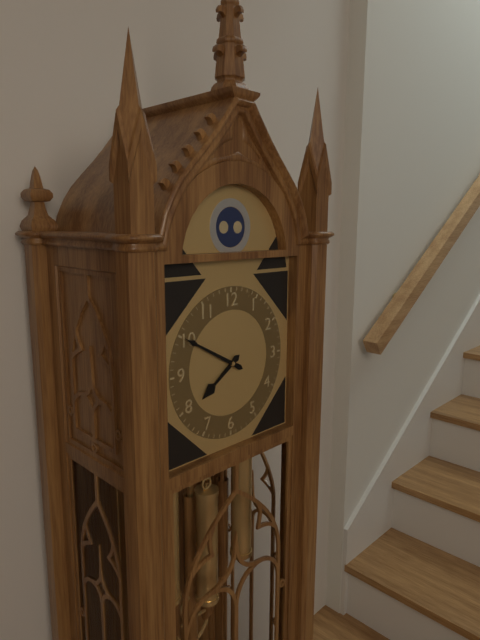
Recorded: 7,50
